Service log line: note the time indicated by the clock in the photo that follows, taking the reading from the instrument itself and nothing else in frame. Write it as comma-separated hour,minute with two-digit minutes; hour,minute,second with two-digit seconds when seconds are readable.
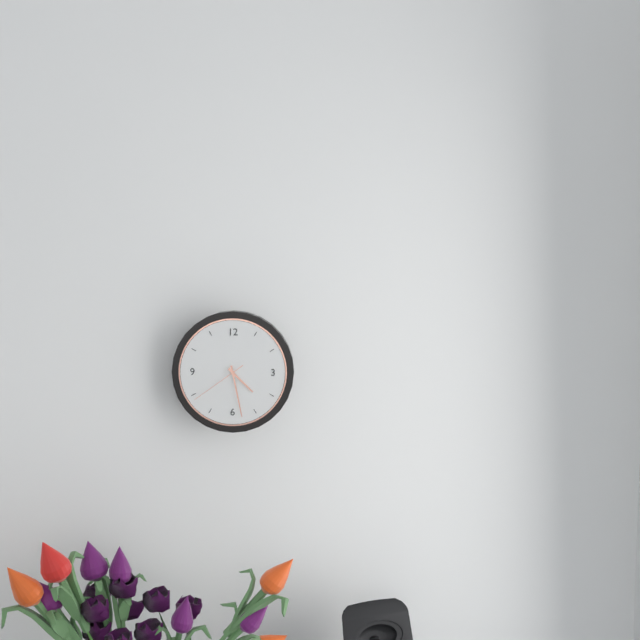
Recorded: 4,28,39
